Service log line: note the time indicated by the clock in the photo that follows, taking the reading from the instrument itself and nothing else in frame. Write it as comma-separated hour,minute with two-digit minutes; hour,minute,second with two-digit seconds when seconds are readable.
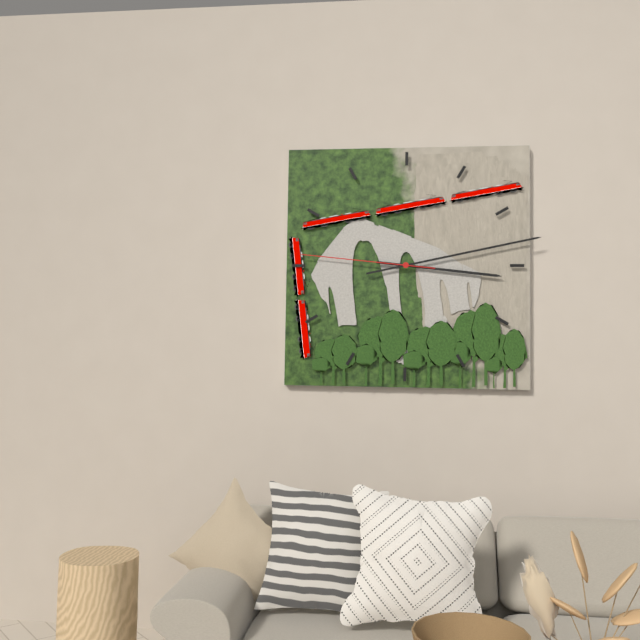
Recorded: 3,13,46
